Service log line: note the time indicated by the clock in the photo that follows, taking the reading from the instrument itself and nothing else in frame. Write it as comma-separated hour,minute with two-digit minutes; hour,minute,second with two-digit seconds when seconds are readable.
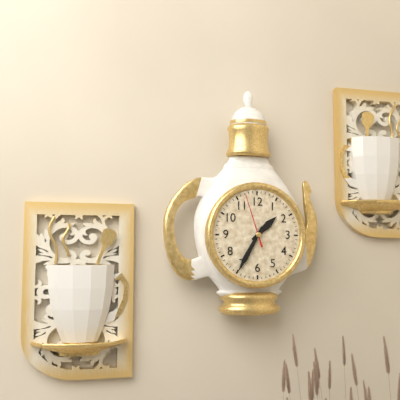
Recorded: 1,35,57
